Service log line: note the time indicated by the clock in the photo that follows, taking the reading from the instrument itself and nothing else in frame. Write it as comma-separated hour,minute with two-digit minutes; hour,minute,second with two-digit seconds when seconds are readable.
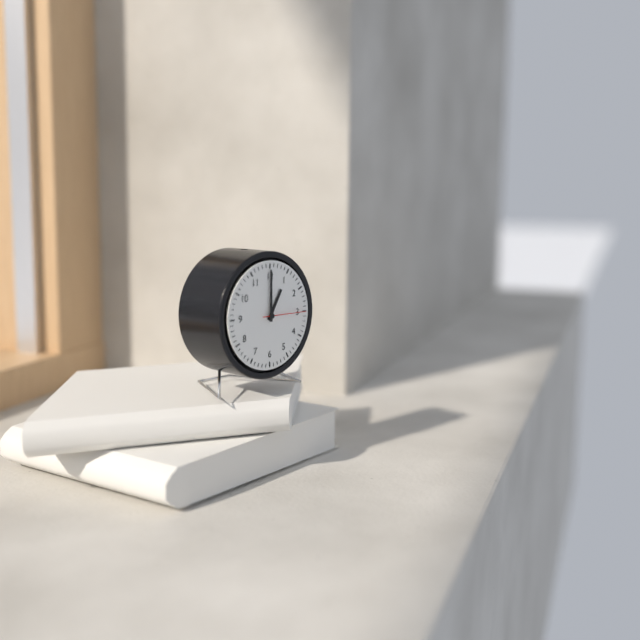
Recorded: 1,00,15
